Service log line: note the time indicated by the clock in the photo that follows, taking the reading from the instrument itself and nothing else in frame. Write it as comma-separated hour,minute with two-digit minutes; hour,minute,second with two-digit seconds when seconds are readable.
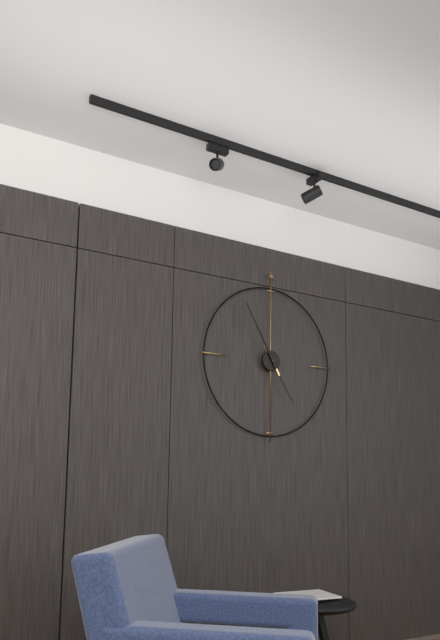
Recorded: 4,55
